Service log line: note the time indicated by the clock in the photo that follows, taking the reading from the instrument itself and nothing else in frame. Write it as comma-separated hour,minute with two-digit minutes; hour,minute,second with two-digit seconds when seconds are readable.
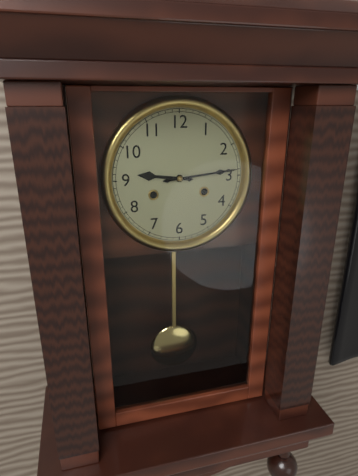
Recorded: 9,14
